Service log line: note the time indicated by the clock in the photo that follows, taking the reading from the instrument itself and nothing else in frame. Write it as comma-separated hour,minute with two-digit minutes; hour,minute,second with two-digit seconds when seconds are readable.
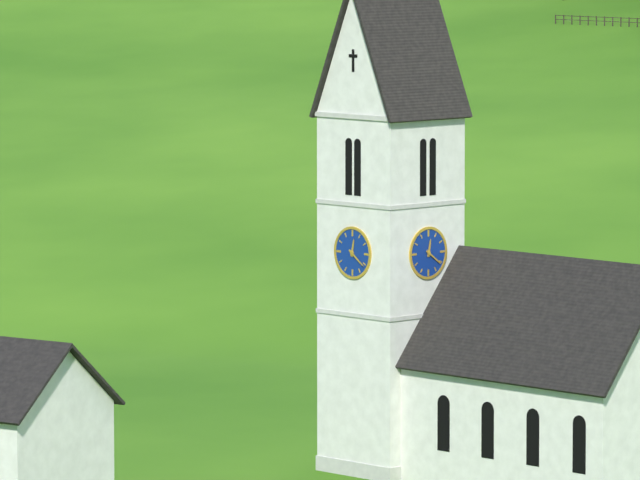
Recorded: 12,21
